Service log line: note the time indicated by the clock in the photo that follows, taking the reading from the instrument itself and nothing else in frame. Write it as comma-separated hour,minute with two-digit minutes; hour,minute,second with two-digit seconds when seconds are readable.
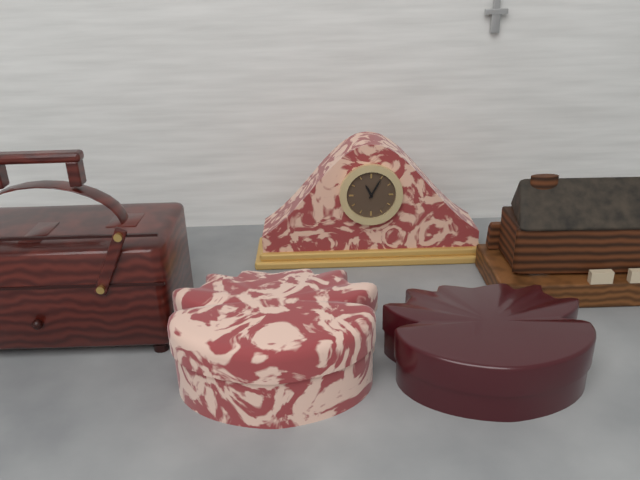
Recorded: 11,05
